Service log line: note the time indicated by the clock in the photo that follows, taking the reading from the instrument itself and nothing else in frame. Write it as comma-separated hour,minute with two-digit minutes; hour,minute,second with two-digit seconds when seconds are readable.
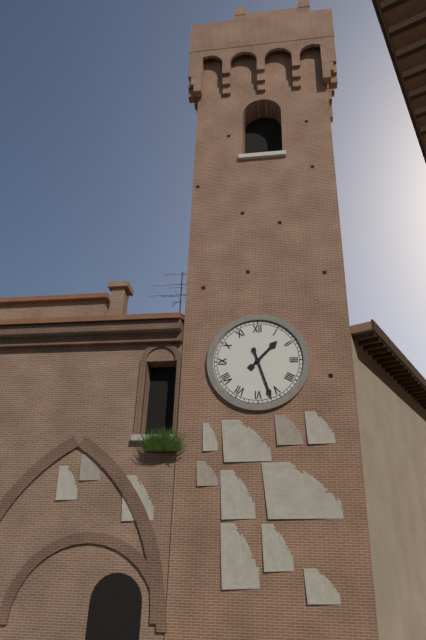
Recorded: 1,27
